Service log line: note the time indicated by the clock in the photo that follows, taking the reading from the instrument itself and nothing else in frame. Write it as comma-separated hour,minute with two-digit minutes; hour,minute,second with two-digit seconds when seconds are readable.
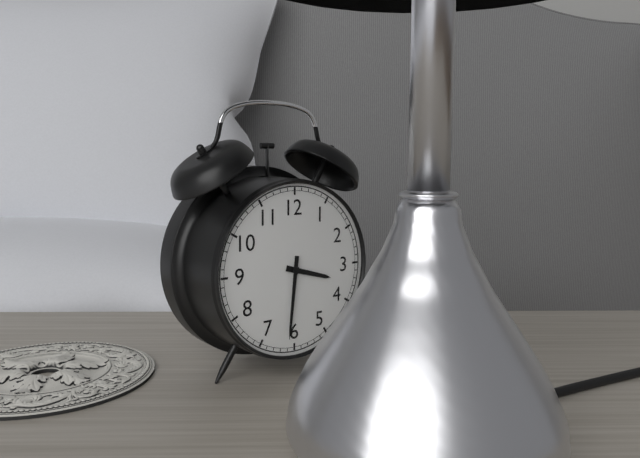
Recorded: 3,31
